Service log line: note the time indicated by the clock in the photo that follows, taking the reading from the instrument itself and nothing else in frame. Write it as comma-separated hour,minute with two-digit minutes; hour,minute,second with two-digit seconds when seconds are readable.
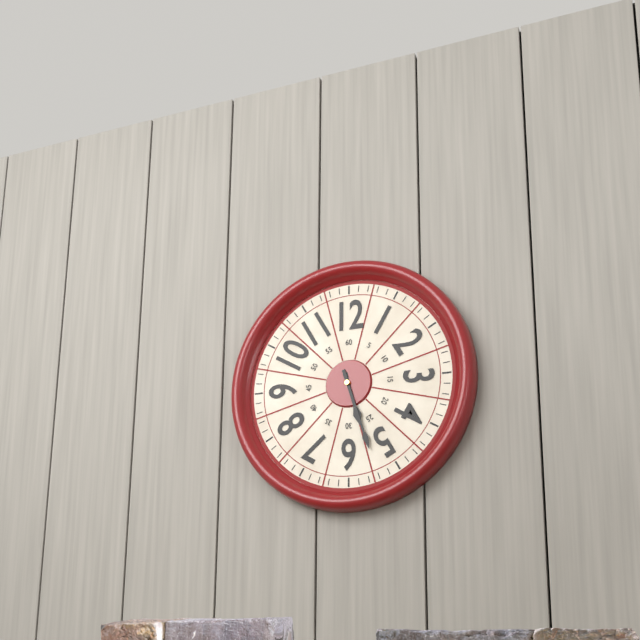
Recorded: 5,27
